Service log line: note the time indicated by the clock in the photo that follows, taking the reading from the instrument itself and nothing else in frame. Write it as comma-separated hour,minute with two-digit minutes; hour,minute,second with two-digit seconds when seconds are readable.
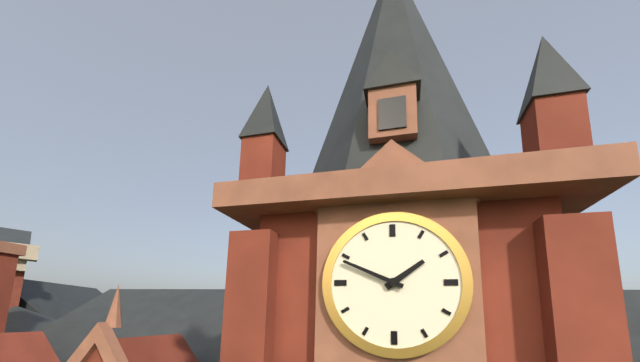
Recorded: 1,49
